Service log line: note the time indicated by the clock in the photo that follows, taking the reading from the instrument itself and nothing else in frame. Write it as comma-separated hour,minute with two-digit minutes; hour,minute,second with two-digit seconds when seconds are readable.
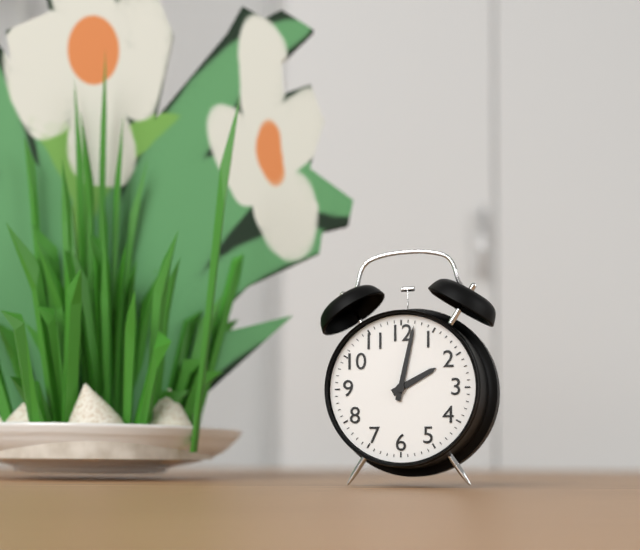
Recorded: 2,02
